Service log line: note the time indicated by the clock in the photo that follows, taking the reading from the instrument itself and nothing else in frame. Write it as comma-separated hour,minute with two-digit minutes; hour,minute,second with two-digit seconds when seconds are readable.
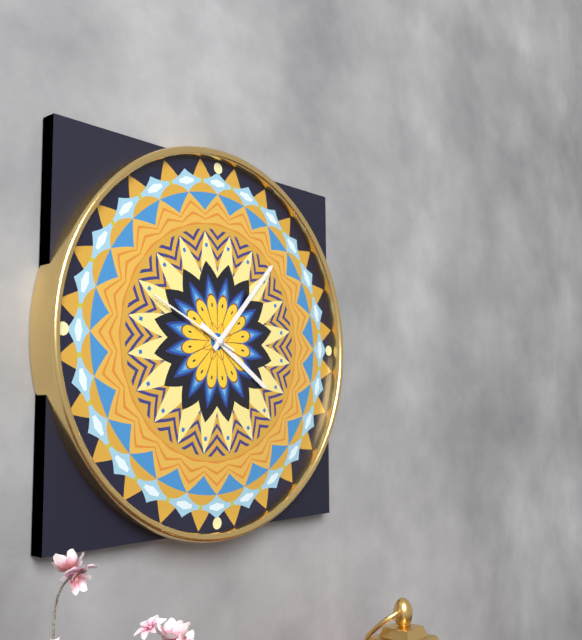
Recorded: 4,07,49
